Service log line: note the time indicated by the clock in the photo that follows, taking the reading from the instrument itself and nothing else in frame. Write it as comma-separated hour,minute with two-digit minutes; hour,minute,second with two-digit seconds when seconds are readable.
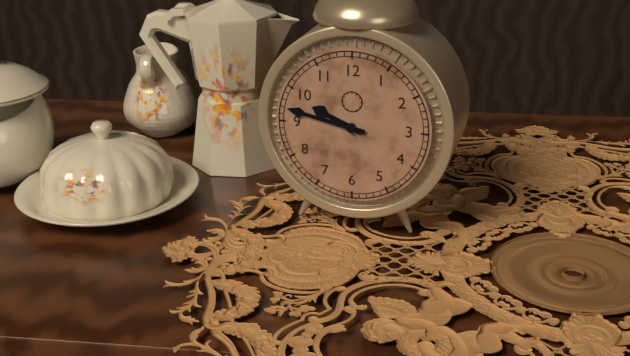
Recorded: 9,47
